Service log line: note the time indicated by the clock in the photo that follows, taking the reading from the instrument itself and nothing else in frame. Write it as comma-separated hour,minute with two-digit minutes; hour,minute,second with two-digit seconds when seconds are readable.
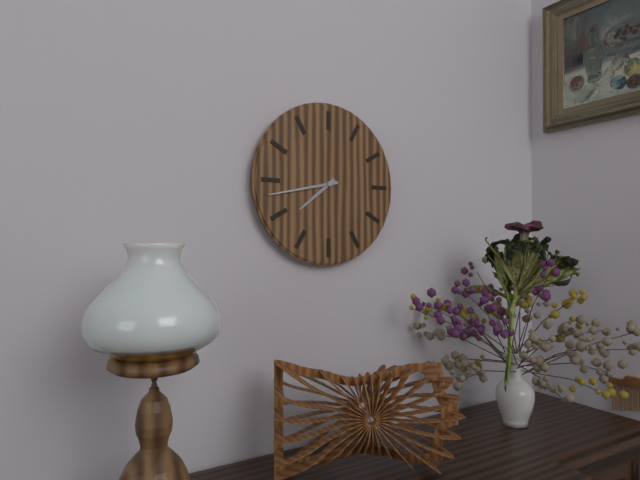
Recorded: 7,43
